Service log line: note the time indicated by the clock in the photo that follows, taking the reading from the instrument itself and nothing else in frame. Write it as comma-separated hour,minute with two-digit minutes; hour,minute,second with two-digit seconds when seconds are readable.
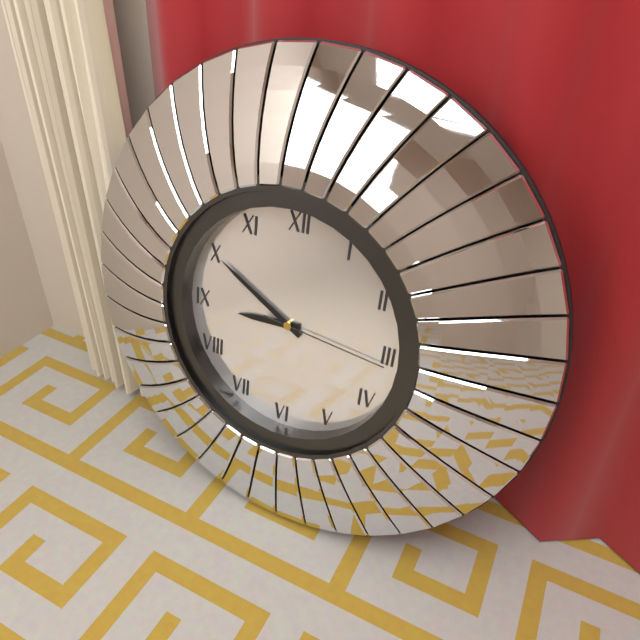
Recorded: 8,50,16
